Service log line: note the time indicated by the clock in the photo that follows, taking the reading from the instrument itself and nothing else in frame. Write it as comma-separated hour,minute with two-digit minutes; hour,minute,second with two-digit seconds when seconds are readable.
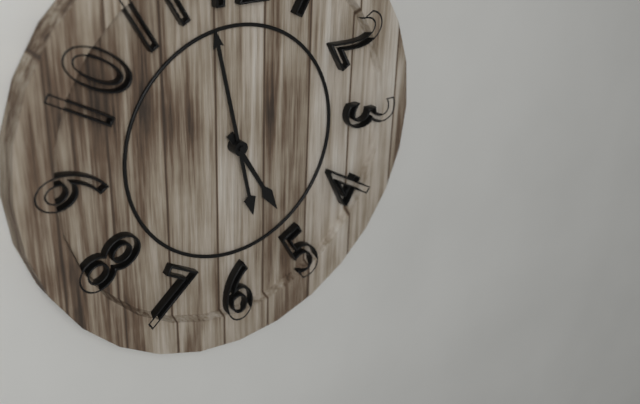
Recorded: 4,58
